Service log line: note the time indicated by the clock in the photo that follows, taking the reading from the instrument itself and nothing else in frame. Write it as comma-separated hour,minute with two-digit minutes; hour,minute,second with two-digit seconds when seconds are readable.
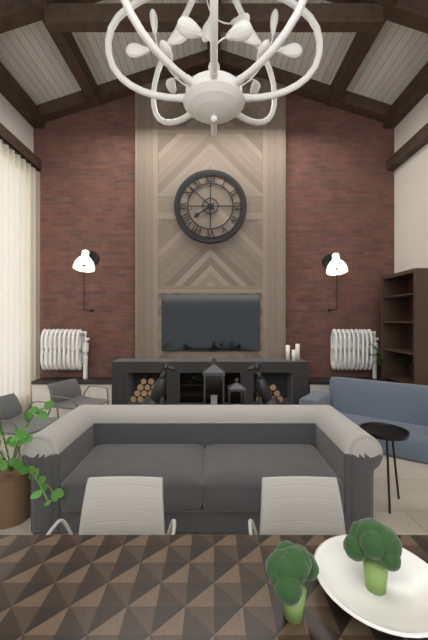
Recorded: 7,52
